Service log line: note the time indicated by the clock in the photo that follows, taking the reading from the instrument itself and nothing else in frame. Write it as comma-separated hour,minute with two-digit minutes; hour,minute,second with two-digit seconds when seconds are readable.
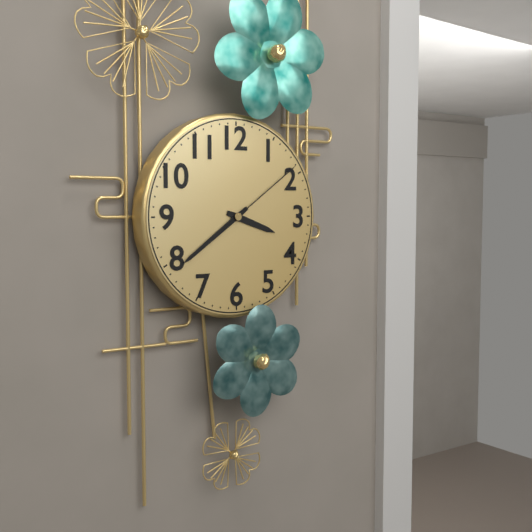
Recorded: 3,39,09
